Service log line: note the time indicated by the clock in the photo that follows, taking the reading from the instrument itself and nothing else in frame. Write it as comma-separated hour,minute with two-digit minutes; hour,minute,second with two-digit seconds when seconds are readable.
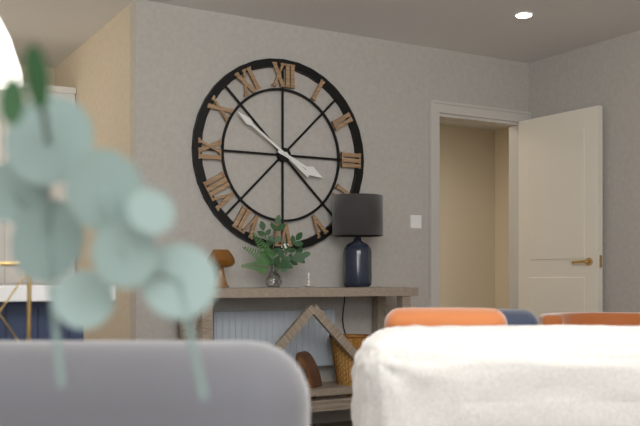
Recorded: 3,51
